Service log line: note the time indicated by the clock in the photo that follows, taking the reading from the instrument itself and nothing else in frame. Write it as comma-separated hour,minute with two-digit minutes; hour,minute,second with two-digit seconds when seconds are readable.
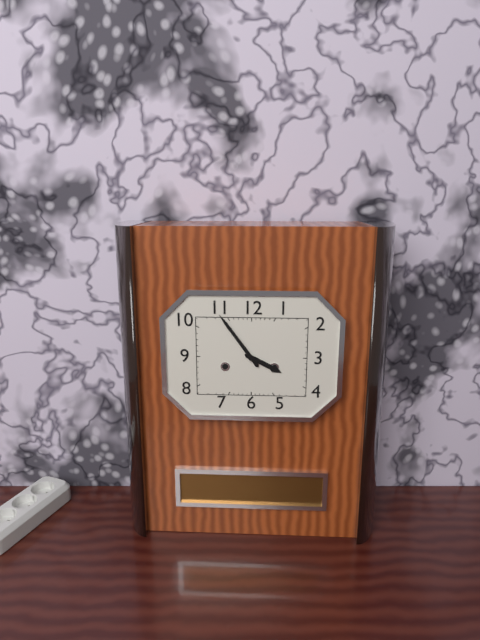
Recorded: 3,54
